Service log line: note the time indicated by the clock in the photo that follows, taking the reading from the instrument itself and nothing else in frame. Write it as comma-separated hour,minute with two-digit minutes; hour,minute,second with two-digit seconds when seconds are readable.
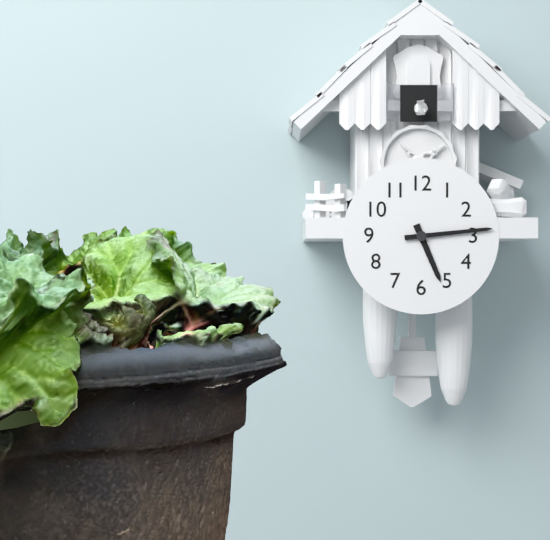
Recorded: 5,14
